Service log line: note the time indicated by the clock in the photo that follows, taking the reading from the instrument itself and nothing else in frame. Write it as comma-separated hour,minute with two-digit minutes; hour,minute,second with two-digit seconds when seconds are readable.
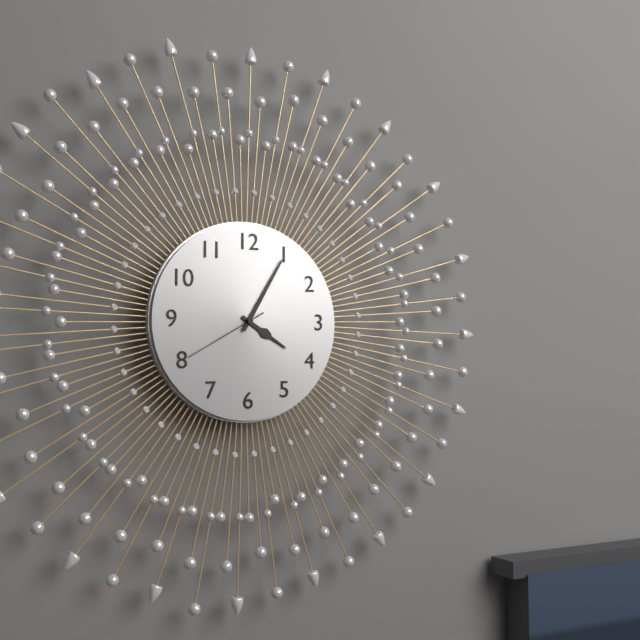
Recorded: 4,05,40
